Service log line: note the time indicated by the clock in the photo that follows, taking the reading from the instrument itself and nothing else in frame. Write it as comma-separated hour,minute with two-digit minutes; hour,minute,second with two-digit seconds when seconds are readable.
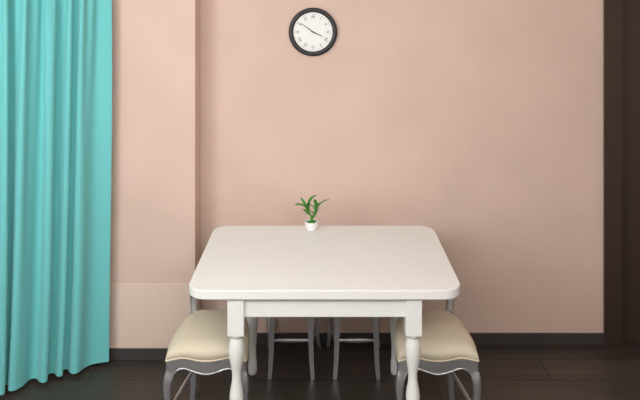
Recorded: 3,51
